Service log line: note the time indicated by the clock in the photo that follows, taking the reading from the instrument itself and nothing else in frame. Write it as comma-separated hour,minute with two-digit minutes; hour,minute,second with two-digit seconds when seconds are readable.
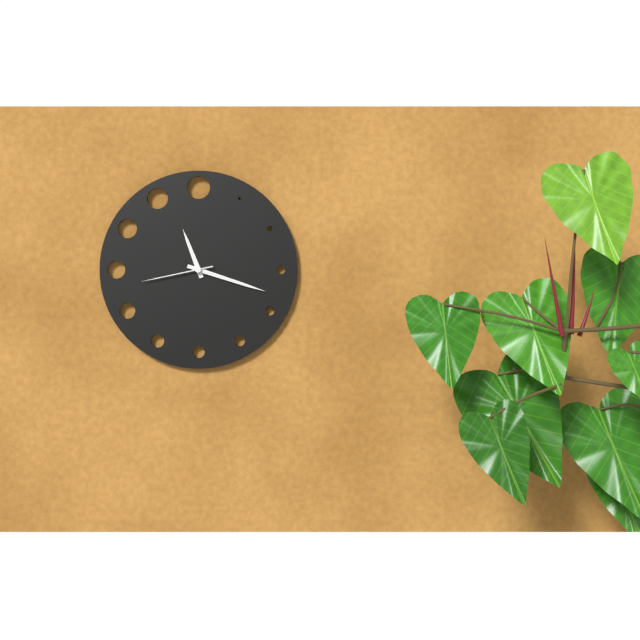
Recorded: 11,18,43
